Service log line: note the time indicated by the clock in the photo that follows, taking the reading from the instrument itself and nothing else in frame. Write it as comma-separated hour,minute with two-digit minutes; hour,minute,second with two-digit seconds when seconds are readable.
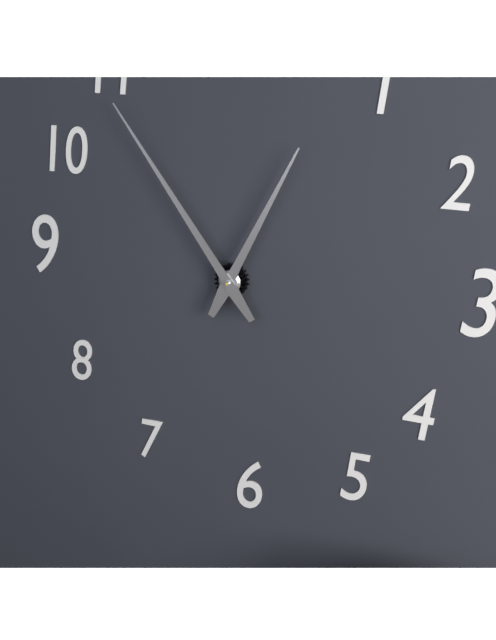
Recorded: 12,54
